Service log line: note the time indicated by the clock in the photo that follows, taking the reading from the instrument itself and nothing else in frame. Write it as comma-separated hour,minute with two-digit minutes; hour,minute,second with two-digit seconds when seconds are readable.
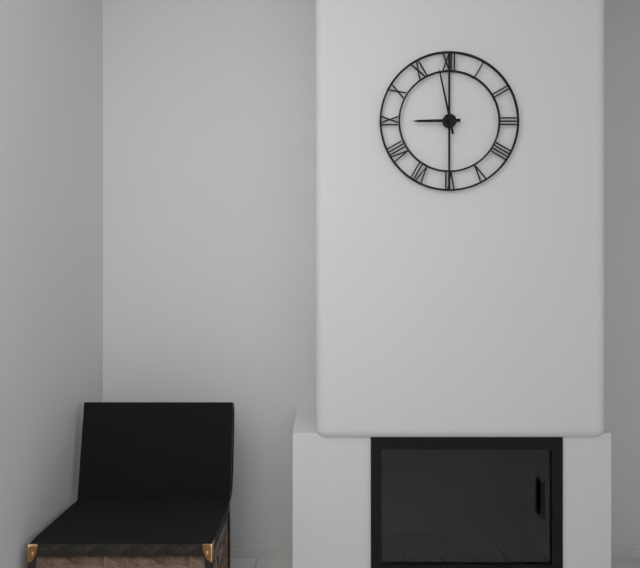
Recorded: 8,58
